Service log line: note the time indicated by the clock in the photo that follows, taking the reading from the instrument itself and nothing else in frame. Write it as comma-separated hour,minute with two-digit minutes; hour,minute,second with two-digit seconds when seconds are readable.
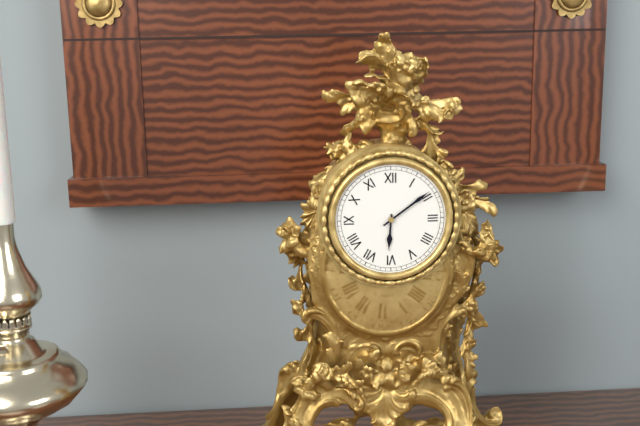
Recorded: 6,09
